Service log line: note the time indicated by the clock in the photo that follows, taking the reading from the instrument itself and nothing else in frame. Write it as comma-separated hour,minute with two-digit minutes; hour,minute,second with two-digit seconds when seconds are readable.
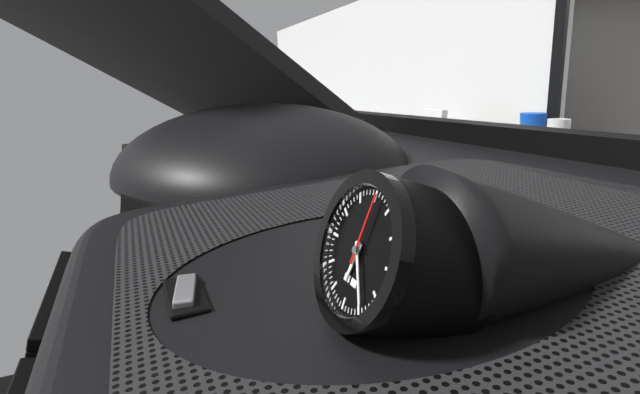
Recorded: 6,24,01
